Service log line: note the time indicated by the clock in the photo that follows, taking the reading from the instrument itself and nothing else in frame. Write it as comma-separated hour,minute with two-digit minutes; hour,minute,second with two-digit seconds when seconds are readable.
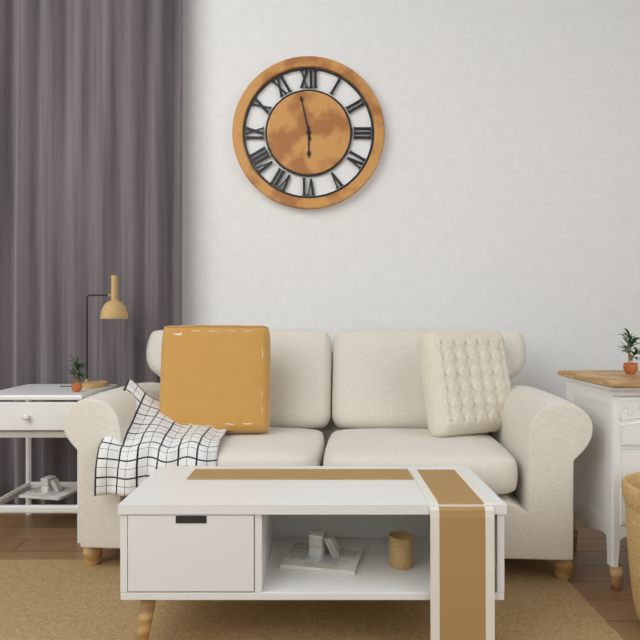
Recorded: 5,58
